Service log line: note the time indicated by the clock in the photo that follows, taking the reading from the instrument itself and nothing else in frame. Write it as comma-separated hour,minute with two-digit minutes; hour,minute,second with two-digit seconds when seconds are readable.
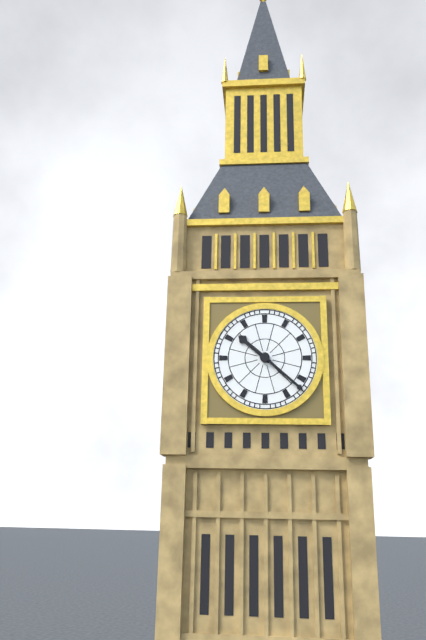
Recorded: 10,22
